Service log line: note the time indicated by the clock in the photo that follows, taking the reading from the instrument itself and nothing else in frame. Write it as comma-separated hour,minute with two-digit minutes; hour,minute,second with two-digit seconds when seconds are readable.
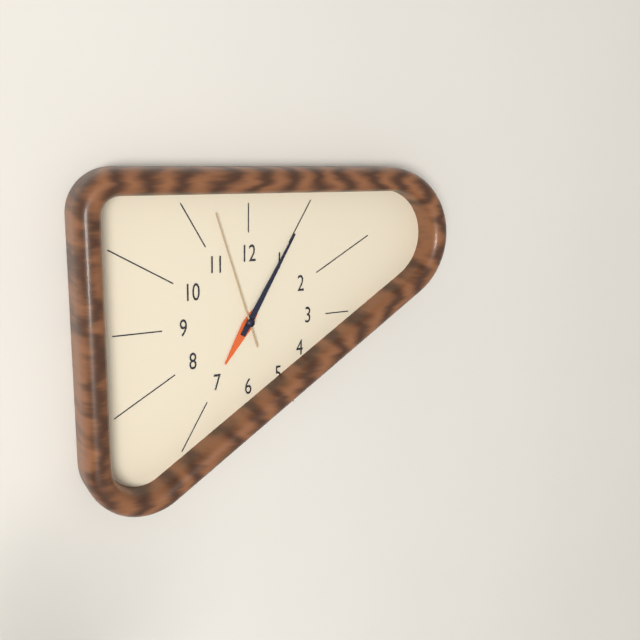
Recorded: 7,05,57
